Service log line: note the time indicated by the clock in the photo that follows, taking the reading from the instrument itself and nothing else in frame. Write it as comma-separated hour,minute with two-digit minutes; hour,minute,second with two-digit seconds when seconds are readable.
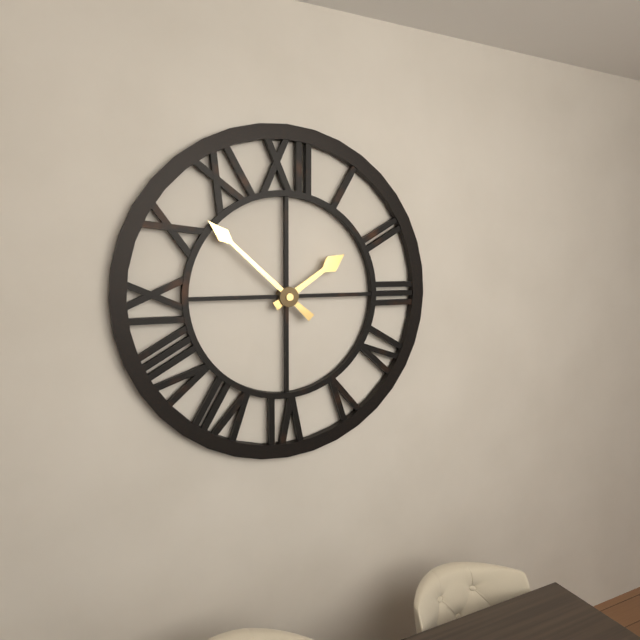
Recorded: 1,52
